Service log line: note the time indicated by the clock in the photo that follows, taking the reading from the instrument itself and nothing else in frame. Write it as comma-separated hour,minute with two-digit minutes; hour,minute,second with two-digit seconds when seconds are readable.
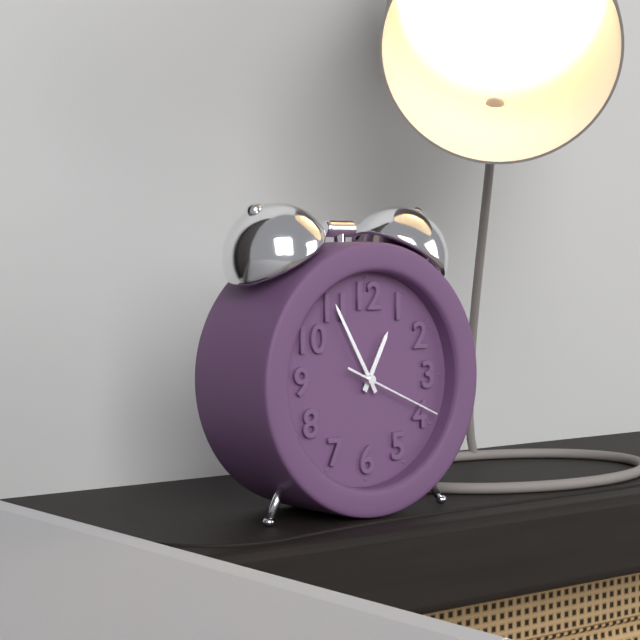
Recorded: 12,55,19
